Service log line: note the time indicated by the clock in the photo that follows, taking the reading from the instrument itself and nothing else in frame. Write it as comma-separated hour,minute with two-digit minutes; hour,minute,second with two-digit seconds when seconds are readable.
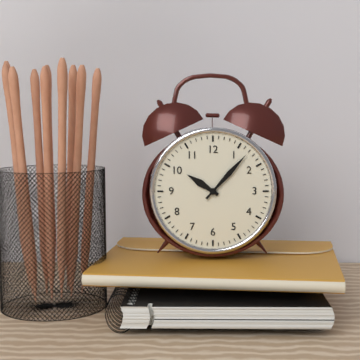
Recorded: 10,07
